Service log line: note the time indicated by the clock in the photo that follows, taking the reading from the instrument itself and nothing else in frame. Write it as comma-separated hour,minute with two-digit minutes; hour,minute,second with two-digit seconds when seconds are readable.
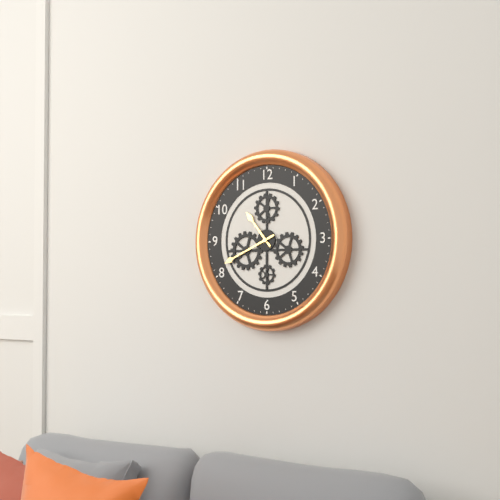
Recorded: 10,41
